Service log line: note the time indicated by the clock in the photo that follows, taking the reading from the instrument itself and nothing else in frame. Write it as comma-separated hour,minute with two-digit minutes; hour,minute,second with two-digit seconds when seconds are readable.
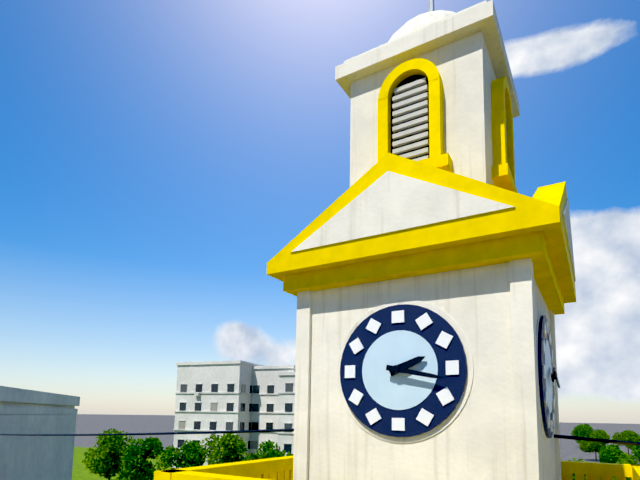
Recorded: 2,17
